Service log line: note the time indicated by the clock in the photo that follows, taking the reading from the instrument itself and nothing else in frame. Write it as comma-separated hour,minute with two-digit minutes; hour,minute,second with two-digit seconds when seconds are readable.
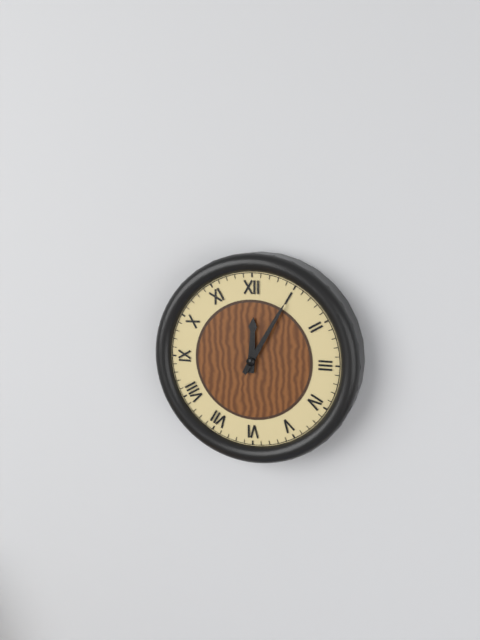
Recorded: 12,05
